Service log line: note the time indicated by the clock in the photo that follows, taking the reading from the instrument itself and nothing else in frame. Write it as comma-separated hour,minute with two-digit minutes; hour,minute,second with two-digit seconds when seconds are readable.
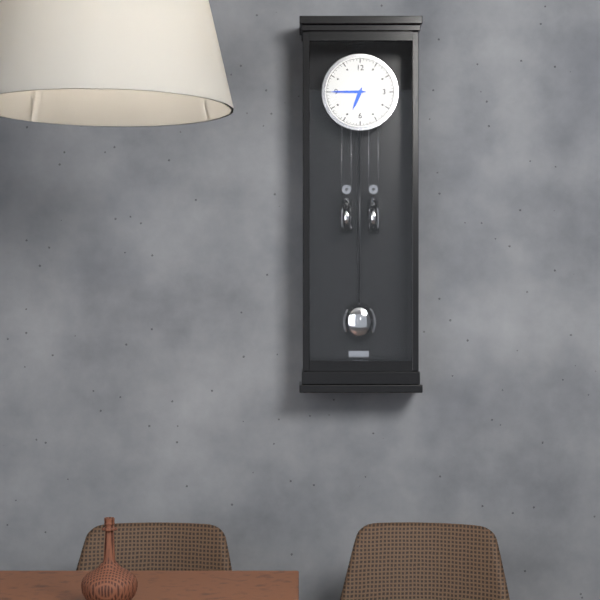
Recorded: 6,45
